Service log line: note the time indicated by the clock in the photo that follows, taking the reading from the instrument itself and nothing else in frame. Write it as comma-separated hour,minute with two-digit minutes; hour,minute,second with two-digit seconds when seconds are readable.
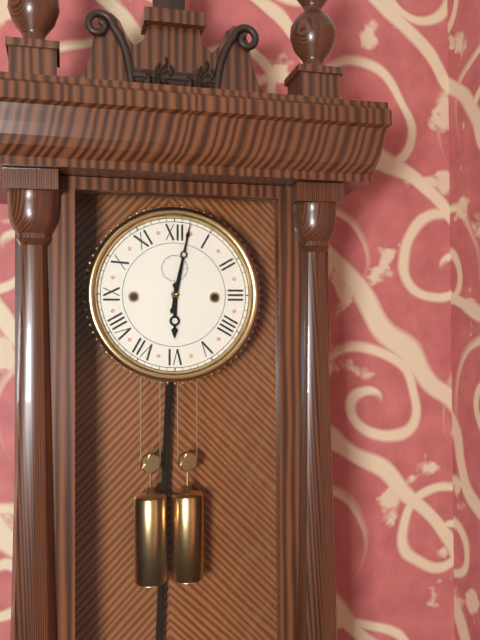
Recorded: 6,02
